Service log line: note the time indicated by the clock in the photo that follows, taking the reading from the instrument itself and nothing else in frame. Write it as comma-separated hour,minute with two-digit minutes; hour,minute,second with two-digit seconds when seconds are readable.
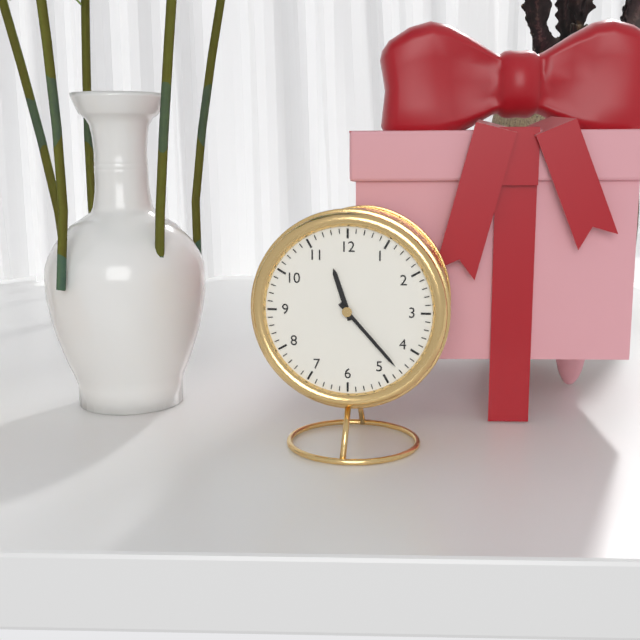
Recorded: 11,23
